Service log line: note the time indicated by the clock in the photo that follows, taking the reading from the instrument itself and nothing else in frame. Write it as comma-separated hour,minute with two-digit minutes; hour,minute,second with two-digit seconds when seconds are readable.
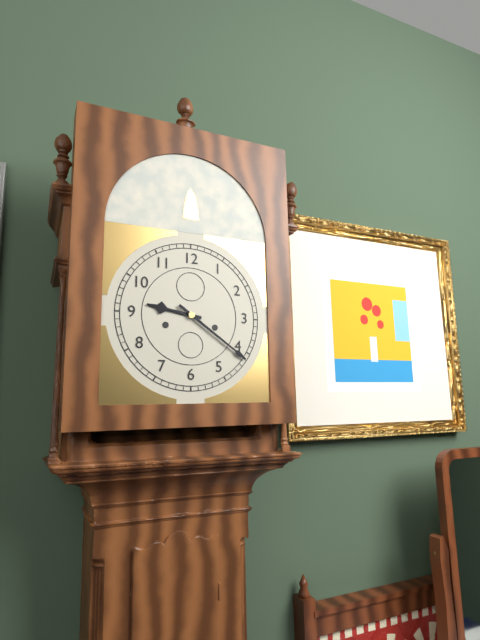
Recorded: 9,21
